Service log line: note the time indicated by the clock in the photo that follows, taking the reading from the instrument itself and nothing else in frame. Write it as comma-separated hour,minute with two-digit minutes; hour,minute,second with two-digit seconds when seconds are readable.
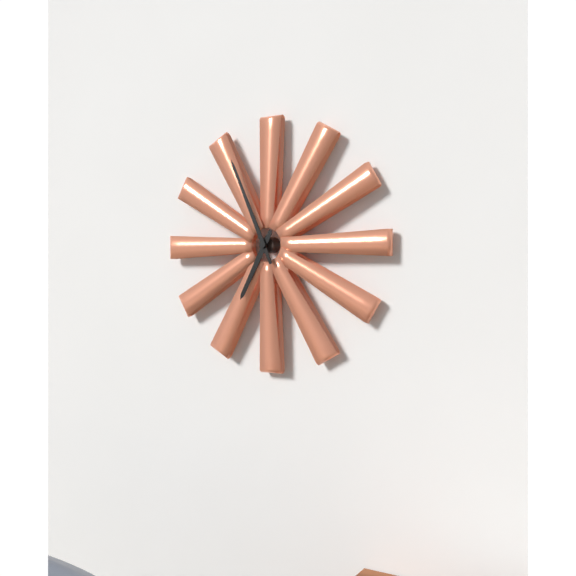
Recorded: 6,56
